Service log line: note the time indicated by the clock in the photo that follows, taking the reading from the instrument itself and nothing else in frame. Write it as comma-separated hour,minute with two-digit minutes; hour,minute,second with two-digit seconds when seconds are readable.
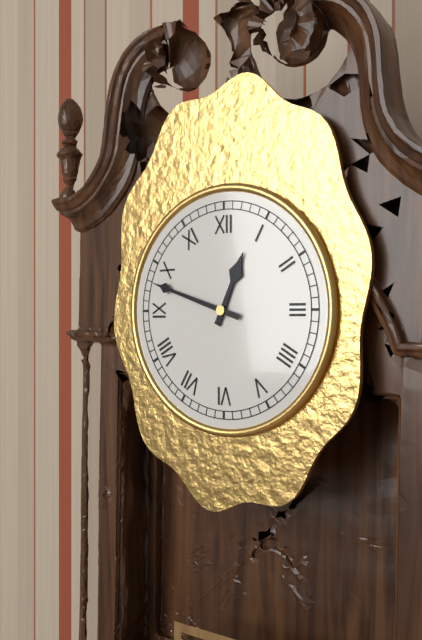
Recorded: 12,48
